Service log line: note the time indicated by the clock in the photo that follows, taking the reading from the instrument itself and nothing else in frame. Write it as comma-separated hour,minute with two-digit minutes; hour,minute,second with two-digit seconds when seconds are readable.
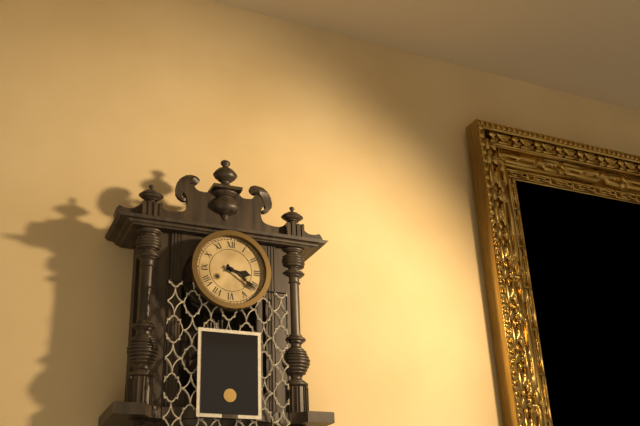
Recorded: 3,21
